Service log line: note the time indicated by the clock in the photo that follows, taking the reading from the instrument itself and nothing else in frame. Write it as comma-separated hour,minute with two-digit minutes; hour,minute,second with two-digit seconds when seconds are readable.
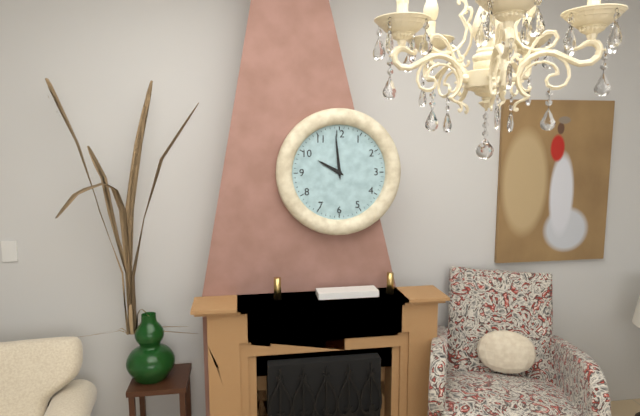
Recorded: 9,59
